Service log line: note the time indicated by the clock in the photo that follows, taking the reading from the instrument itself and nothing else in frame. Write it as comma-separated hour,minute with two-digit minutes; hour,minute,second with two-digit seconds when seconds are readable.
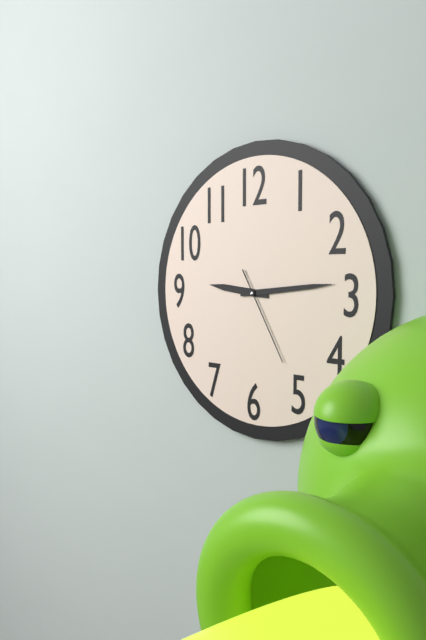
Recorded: 9,14,25
